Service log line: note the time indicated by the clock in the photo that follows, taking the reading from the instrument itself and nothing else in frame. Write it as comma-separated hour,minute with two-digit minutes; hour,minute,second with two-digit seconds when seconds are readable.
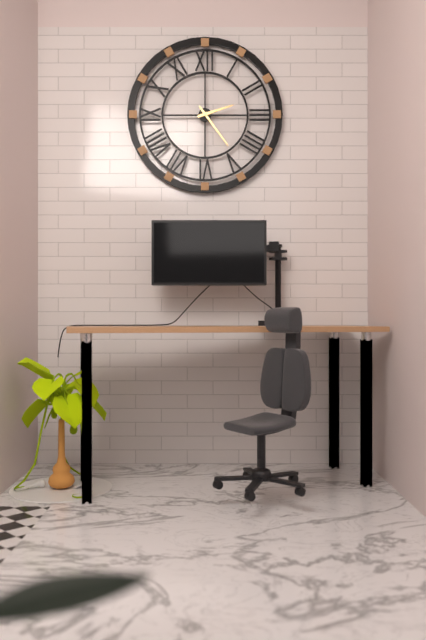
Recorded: 2,24
